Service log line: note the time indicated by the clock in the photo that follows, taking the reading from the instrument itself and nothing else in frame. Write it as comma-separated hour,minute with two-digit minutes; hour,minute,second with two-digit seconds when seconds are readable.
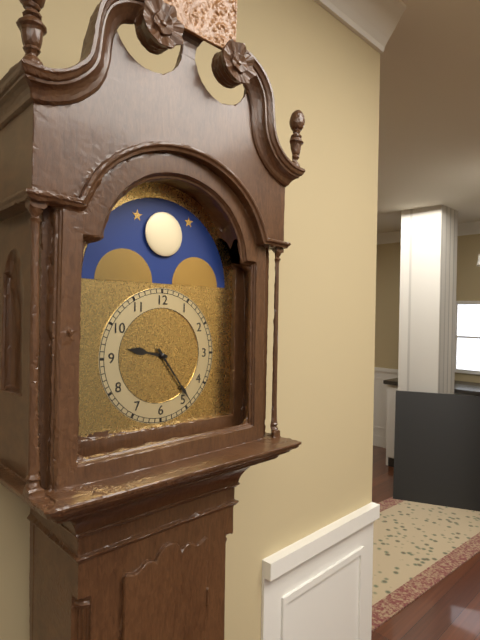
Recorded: 9,24
